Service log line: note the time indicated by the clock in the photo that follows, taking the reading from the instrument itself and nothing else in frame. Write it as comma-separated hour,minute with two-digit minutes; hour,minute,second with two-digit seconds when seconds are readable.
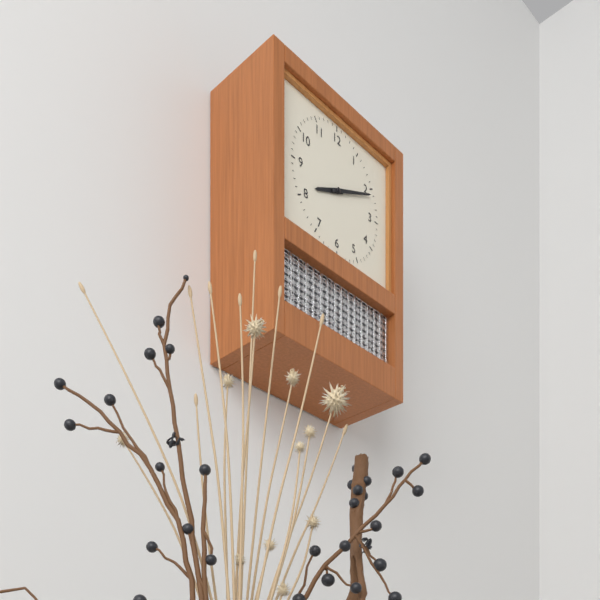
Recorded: 8,11
